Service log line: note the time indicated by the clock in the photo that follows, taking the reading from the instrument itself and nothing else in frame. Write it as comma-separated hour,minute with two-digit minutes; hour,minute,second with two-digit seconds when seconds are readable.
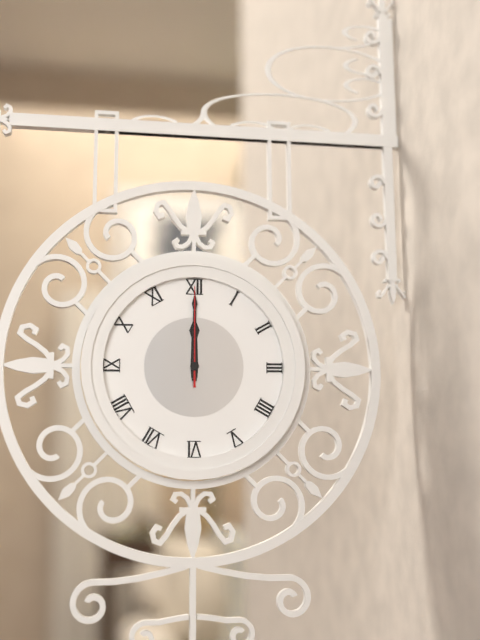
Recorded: 12,00,00
